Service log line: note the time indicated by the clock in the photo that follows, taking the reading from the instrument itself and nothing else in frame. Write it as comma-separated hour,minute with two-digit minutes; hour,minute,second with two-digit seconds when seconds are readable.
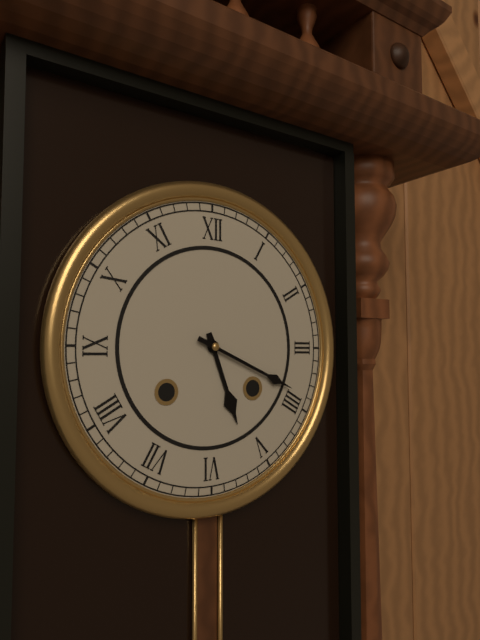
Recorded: 5,19
